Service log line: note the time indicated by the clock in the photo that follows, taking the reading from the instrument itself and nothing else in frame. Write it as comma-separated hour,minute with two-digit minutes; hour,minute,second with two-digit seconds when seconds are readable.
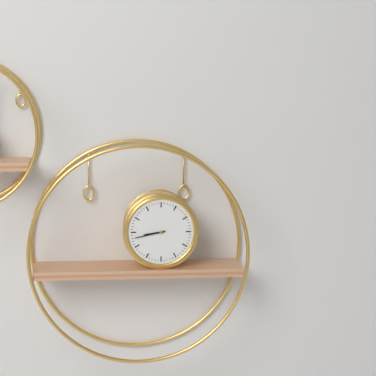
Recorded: 8,43
